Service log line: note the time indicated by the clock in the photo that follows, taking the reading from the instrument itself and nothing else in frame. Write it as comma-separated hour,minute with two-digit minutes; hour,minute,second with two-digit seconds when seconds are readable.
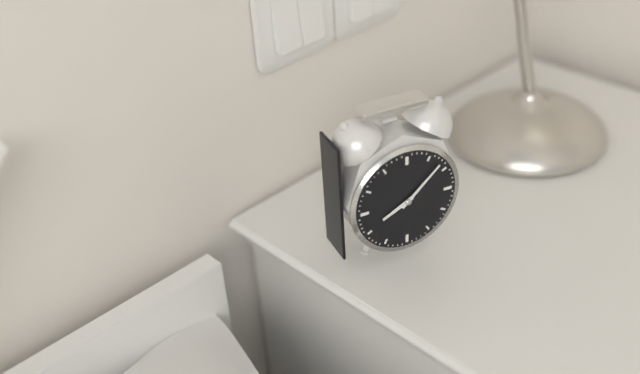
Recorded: 8,08
